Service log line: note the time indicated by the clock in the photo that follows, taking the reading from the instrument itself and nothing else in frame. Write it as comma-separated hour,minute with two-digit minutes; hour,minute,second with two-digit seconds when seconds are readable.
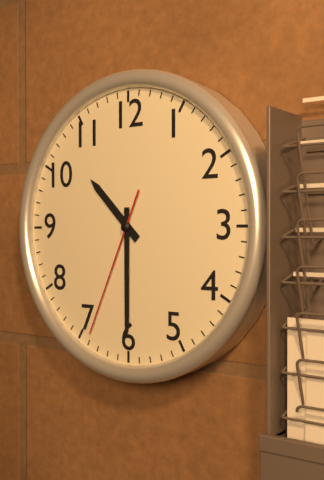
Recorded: 10,30,34
